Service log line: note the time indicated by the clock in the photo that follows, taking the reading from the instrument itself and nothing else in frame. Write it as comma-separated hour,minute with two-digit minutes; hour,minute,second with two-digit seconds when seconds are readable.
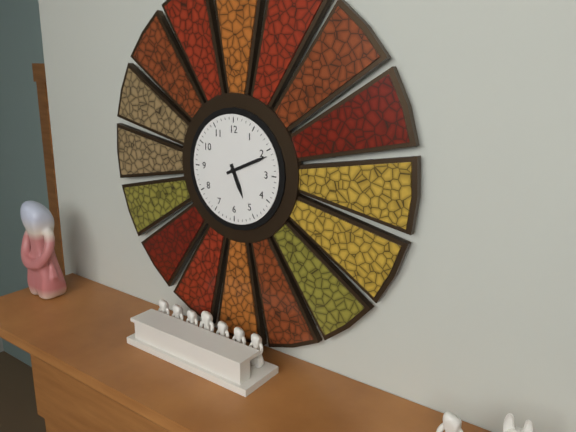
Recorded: 5,11
